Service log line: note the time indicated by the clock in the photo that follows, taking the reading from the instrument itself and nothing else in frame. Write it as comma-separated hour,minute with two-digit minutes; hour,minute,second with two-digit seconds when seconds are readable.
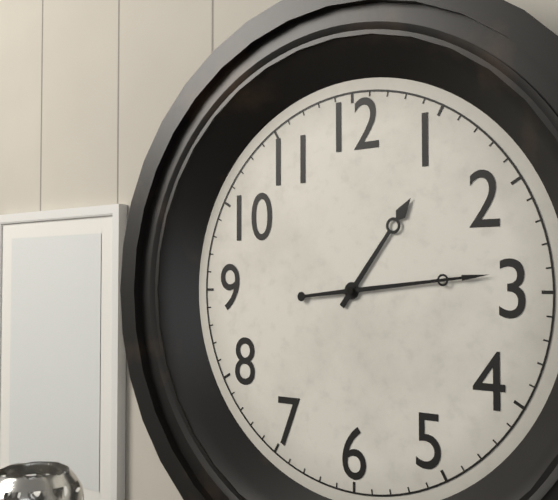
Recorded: 1,14
